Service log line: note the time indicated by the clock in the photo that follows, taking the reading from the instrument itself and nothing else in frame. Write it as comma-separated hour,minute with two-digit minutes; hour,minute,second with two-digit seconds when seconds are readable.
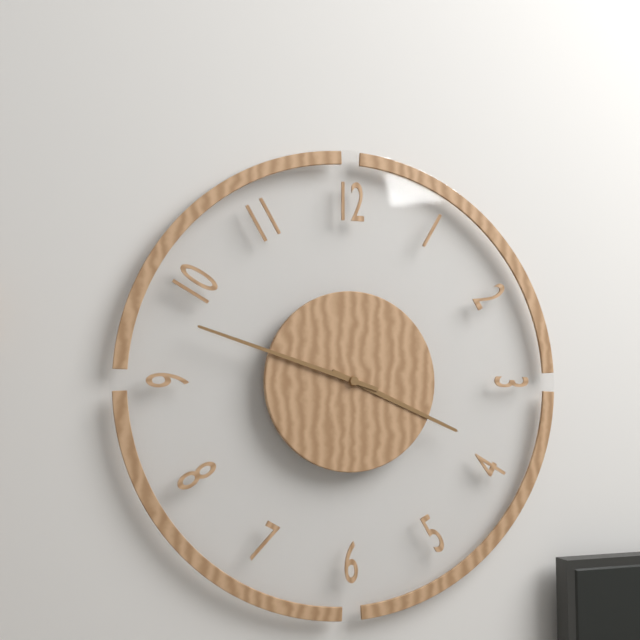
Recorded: 3,48
